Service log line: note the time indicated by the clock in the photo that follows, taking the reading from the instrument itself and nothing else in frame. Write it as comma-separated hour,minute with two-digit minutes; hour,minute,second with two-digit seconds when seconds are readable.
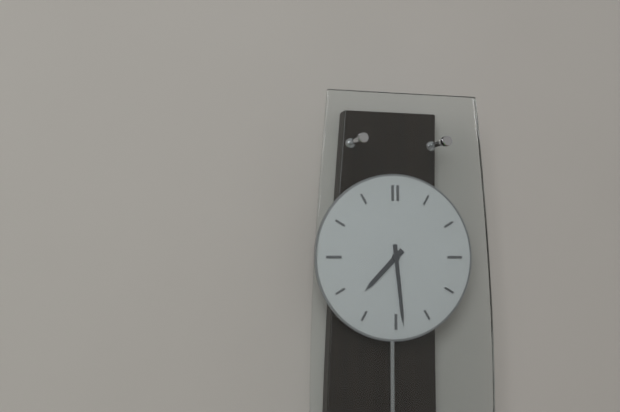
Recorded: 7,29
